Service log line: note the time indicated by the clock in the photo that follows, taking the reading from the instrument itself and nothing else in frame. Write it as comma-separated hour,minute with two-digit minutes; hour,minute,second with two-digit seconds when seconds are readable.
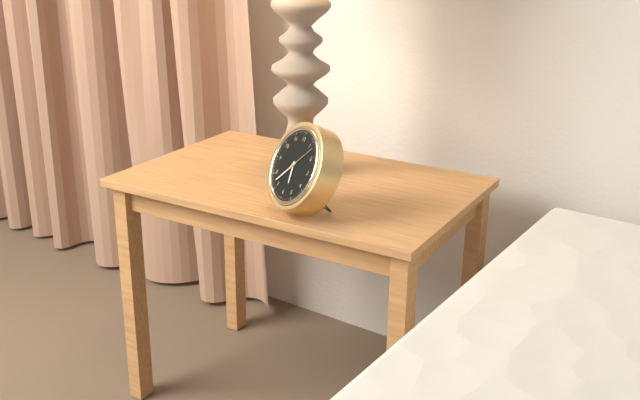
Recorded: 5,37
